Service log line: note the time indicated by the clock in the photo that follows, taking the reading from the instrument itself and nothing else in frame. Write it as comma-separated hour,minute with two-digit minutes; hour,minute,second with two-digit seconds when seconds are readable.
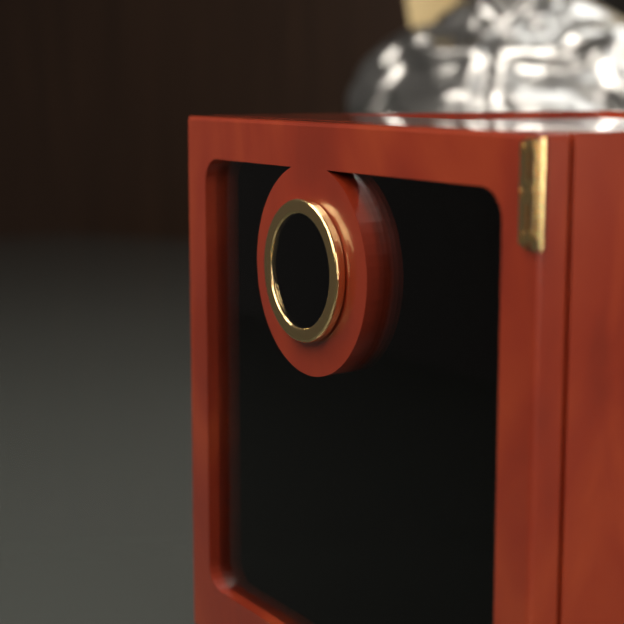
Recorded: 10,33
